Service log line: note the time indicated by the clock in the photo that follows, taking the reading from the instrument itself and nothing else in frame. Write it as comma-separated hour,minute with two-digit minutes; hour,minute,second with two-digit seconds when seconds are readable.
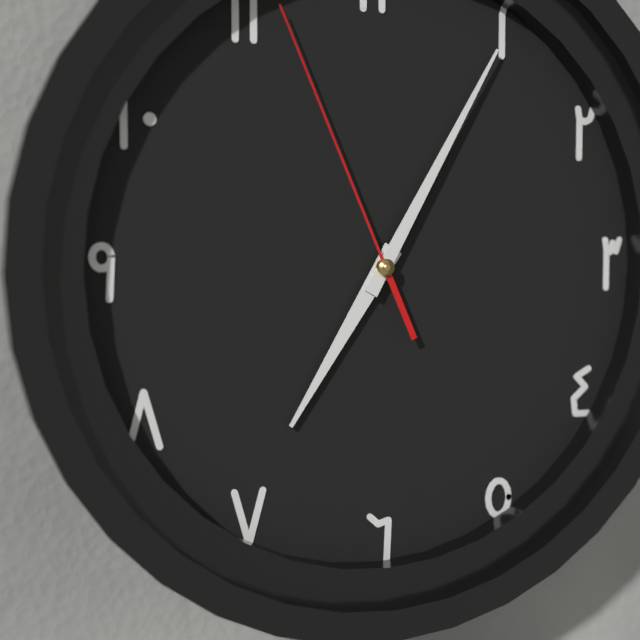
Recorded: 7,05,56
